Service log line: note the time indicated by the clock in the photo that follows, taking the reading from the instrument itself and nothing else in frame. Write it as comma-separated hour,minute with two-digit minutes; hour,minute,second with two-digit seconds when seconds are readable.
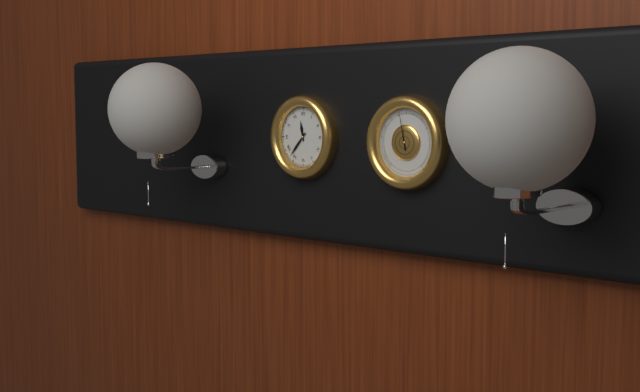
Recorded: 11,37
